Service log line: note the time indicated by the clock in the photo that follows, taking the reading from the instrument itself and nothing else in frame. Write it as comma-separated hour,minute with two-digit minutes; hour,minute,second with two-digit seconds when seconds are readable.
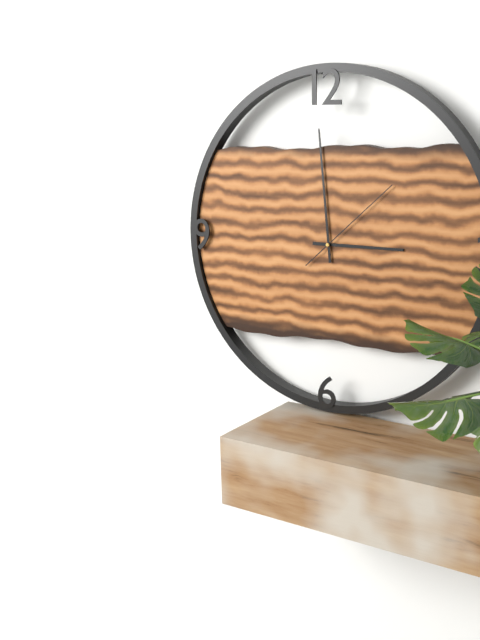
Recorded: 2,59,08
